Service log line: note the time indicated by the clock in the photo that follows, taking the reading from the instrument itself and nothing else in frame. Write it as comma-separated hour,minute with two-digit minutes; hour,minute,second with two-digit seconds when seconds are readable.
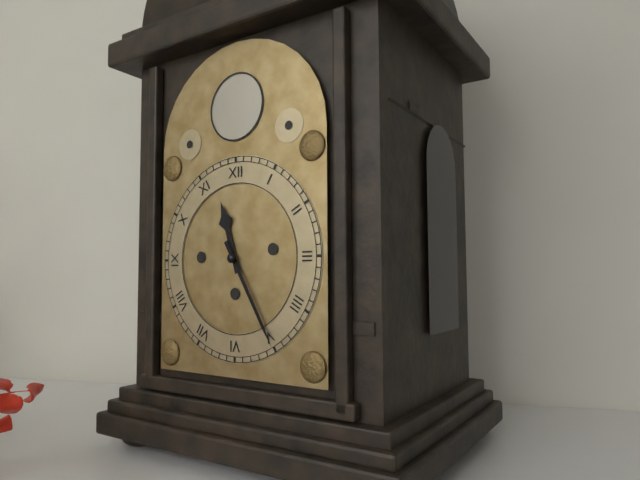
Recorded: 11,25
